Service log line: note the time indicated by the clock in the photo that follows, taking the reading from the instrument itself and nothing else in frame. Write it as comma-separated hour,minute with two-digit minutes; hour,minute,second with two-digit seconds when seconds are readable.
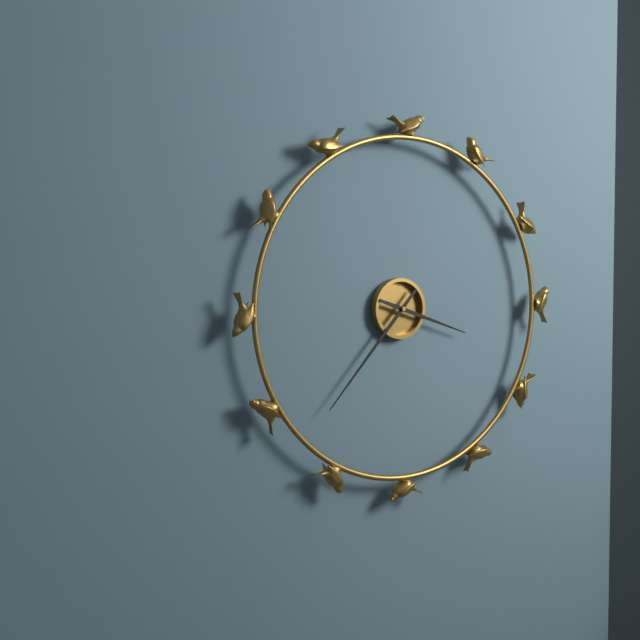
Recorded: 3,37
